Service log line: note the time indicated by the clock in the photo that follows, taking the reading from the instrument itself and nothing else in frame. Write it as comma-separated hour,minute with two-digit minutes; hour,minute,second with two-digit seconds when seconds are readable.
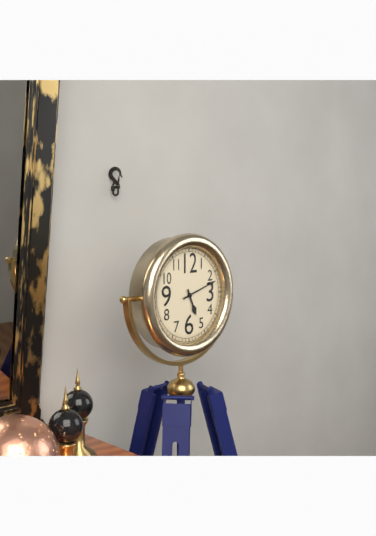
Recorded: 5,12
